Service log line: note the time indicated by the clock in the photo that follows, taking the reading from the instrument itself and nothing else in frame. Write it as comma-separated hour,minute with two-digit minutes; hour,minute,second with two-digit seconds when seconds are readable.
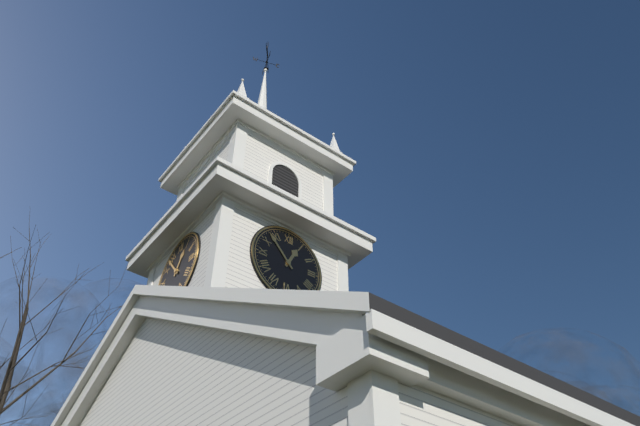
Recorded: 12,53
